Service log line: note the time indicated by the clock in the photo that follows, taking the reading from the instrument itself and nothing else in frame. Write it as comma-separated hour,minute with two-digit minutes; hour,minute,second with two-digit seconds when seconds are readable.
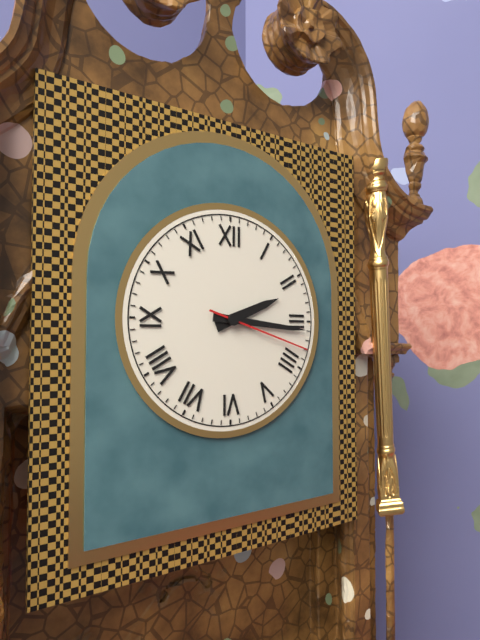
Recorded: 2,16,18
